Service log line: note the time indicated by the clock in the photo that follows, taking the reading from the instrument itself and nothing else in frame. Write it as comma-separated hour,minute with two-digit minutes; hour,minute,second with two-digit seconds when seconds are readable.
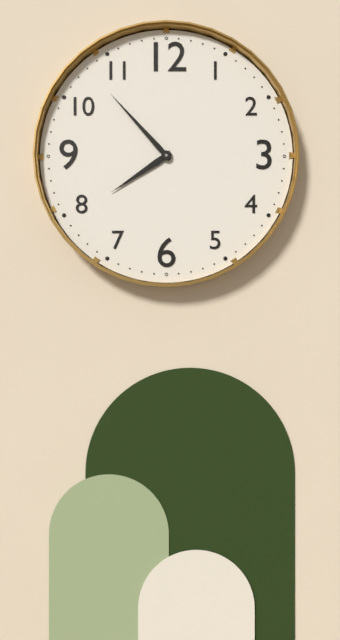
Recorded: 7,53
